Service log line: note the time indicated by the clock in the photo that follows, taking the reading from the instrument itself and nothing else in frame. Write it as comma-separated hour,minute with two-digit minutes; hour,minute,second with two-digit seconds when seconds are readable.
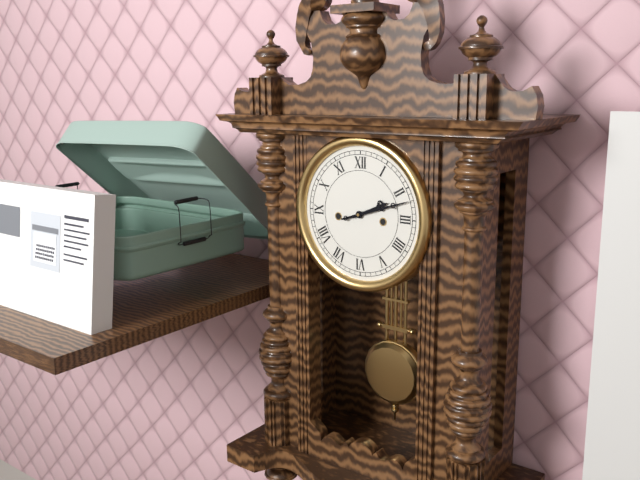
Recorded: 2,12
